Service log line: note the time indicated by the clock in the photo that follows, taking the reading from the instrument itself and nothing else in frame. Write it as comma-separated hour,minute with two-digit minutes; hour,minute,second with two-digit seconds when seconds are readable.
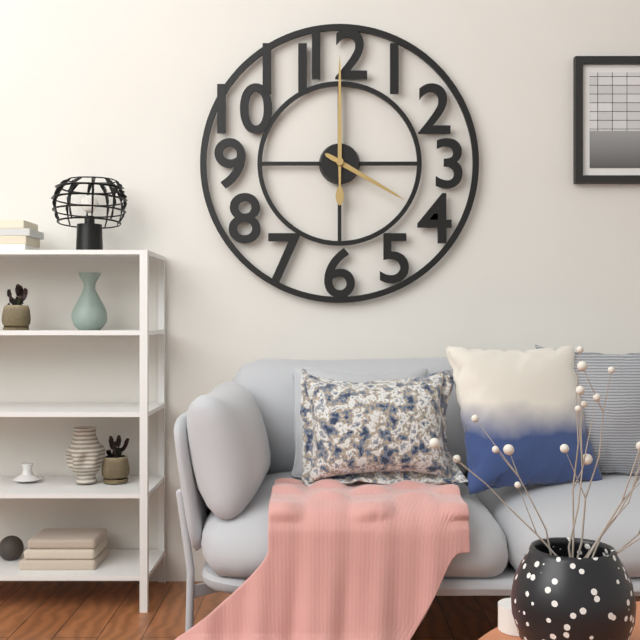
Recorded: 4,00
